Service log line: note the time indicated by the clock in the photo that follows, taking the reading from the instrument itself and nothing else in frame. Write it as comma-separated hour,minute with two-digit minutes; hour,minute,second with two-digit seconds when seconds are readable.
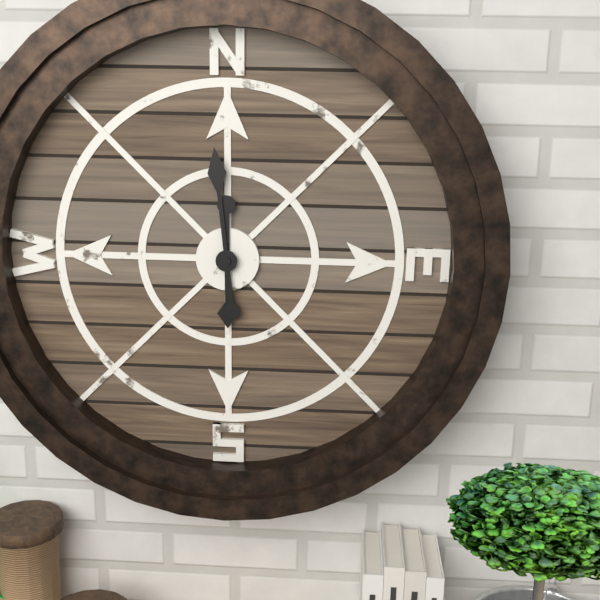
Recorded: 5,59
